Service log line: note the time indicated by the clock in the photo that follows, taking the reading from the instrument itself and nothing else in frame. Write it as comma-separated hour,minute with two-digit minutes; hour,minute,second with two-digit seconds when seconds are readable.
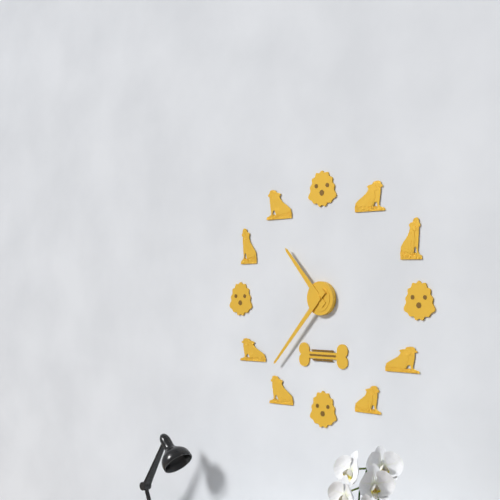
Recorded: 10,37
